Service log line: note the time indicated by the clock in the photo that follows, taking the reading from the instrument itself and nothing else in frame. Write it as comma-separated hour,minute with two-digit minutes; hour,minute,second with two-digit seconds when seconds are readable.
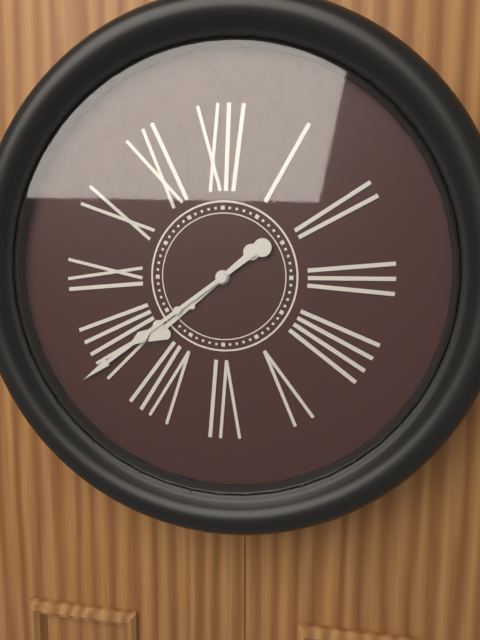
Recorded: 7,39
